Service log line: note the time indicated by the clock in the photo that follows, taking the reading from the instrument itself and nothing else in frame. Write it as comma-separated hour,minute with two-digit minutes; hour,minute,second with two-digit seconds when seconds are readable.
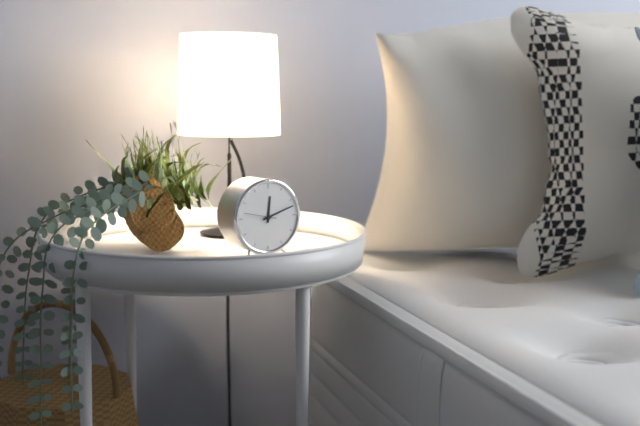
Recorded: 12,12
